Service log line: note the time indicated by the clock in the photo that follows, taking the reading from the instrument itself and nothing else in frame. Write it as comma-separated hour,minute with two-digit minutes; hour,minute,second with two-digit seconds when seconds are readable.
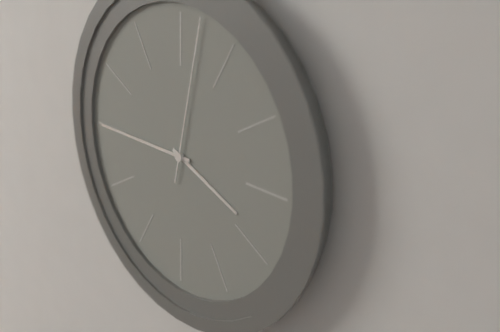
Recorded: 3,45,02
